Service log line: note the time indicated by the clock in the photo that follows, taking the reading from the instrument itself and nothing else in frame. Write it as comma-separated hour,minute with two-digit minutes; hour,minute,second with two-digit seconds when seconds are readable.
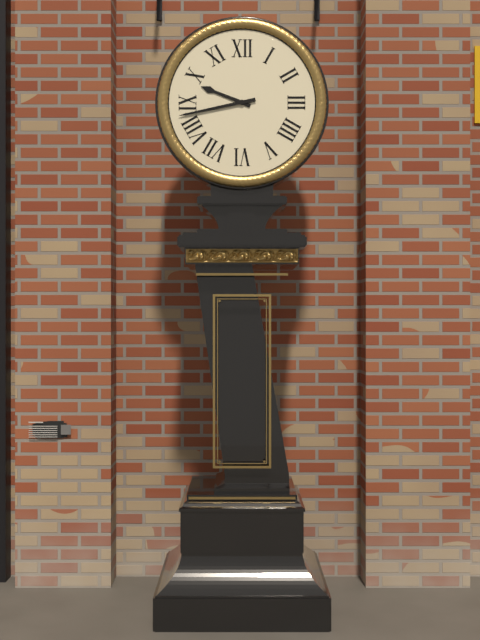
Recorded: 9,43
